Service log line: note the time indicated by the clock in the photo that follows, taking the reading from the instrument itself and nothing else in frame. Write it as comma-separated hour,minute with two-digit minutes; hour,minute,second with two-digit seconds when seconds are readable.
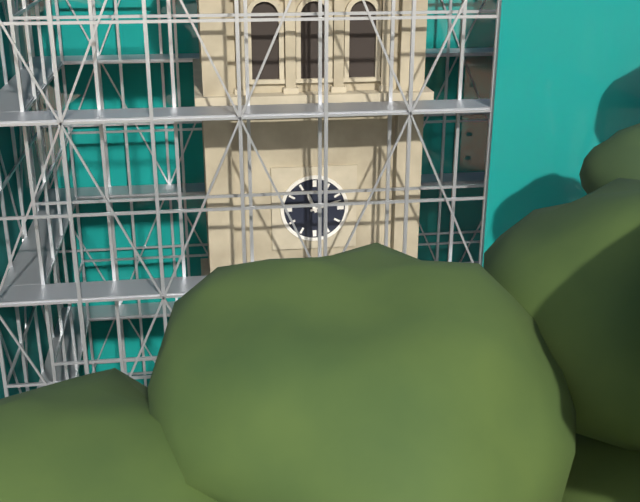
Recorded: 11,12
